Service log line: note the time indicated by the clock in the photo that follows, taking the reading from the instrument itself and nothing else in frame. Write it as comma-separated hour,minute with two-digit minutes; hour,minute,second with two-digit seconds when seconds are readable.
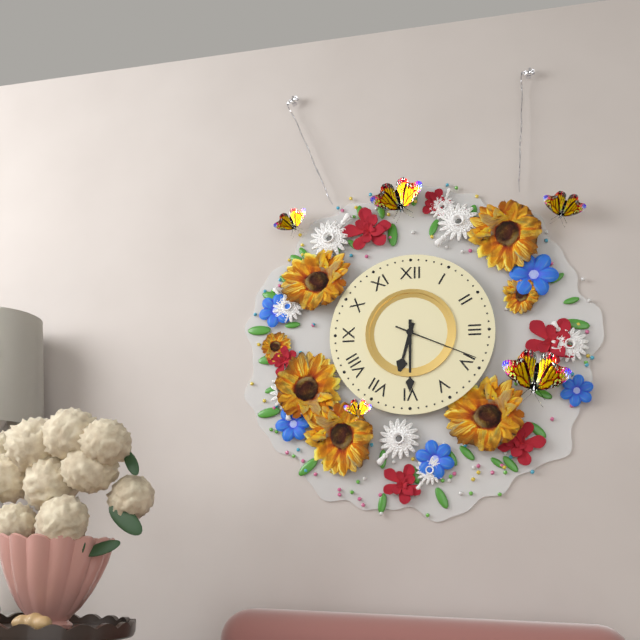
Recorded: 6,30,19
